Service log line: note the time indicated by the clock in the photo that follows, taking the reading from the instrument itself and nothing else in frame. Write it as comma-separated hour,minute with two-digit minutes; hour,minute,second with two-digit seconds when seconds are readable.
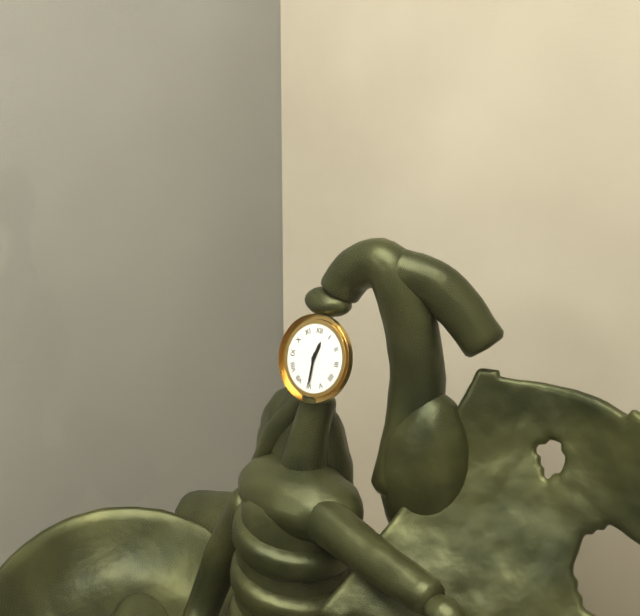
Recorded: 12,30
